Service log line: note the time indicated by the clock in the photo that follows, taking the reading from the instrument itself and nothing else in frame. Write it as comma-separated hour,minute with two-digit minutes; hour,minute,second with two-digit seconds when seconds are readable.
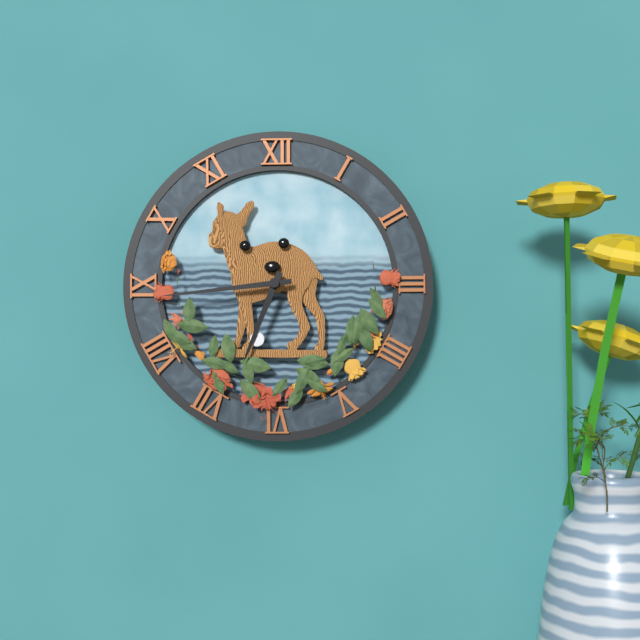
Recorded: 6,44
